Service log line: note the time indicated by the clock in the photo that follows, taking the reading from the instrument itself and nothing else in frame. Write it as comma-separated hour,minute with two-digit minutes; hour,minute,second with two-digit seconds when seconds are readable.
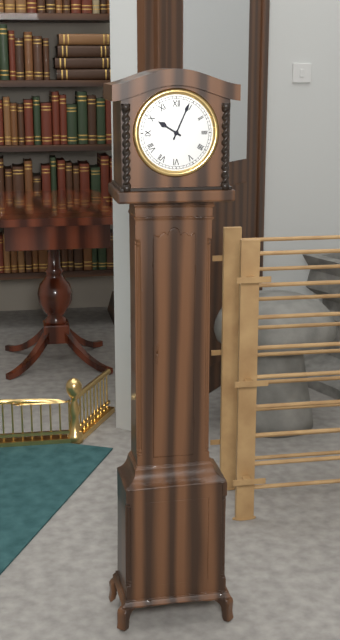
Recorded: 10,04
